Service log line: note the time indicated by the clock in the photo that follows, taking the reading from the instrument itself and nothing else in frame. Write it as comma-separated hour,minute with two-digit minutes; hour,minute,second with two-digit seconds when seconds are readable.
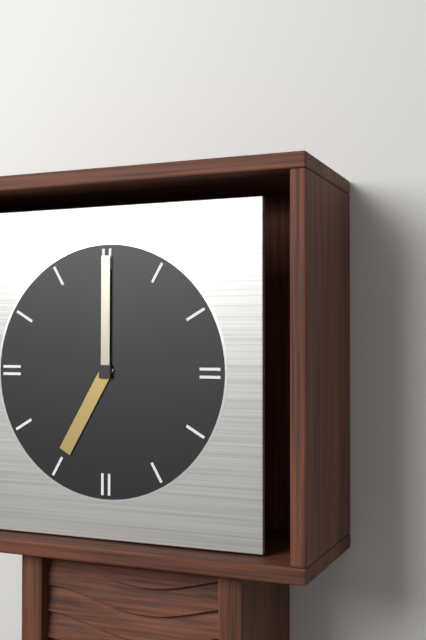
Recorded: 7,00
